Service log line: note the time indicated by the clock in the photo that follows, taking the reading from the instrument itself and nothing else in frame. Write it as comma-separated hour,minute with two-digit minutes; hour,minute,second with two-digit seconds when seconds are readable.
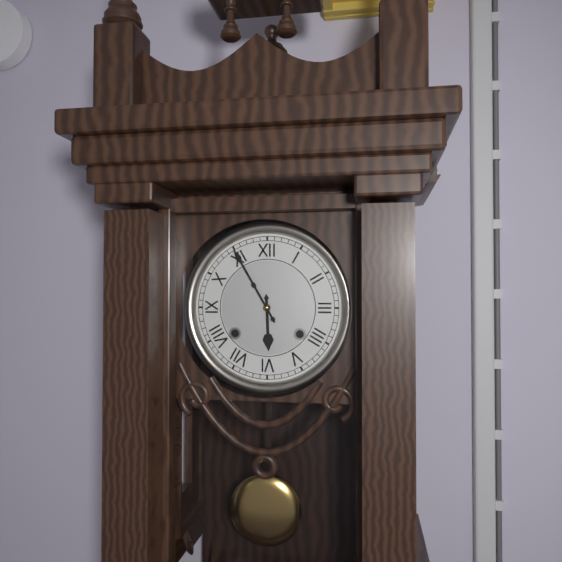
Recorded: 5,55
